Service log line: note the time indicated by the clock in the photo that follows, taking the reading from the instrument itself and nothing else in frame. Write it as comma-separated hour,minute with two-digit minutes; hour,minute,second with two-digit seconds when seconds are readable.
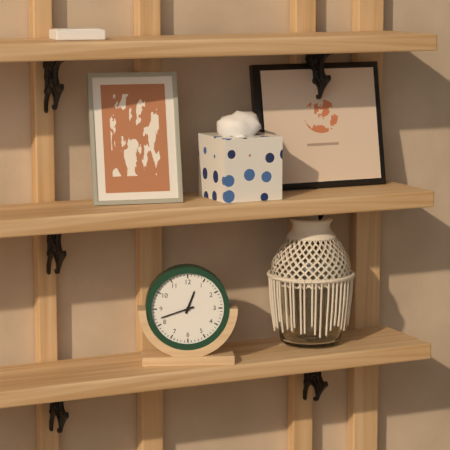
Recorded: 12,42
